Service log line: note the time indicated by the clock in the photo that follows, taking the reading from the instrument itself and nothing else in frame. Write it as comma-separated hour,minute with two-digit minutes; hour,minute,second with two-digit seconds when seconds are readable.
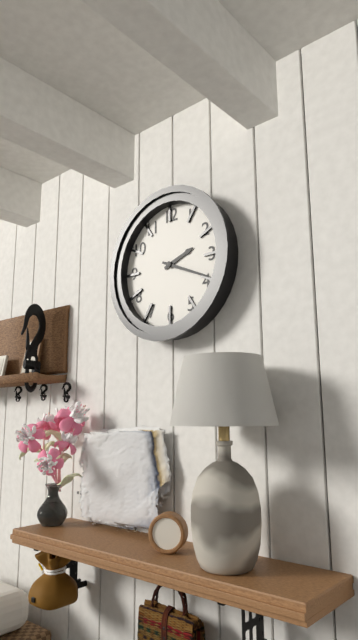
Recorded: 2,19
